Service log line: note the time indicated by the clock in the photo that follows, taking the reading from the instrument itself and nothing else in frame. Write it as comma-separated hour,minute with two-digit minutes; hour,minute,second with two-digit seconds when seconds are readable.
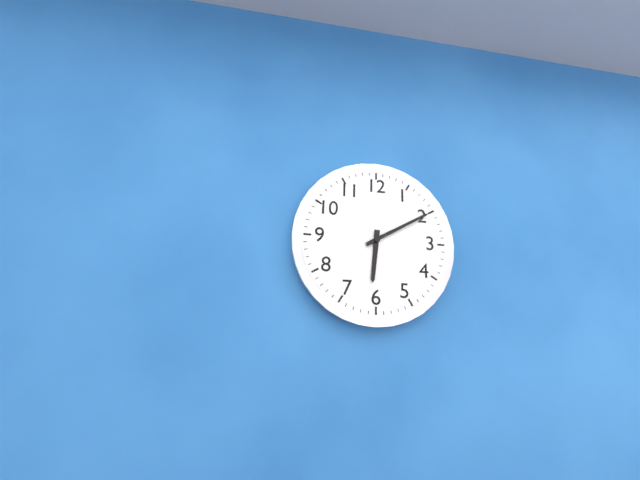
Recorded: 6,10
